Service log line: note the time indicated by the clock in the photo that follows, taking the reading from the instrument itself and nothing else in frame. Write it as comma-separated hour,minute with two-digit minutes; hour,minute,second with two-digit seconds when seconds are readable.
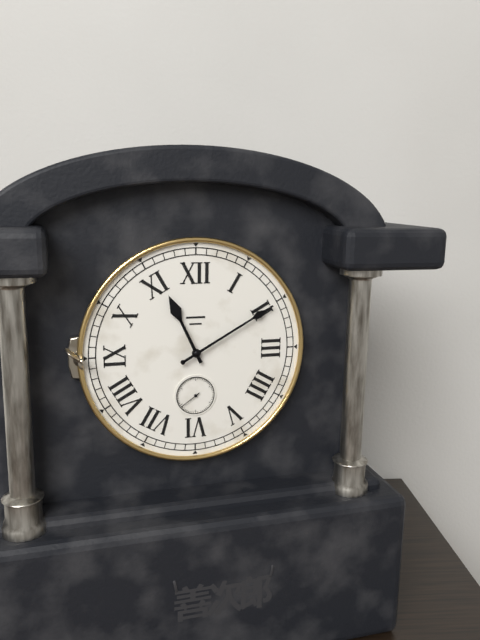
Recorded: 11,10
